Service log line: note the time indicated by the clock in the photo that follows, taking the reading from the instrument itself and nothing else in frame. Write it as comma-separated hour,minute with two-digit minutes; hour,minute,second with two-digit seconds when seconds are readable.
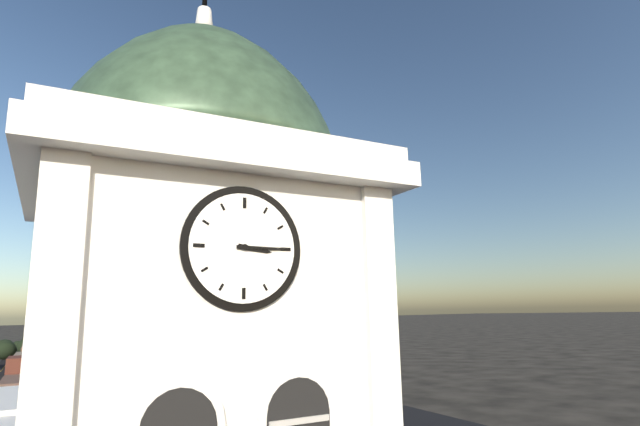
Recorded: 3,15
